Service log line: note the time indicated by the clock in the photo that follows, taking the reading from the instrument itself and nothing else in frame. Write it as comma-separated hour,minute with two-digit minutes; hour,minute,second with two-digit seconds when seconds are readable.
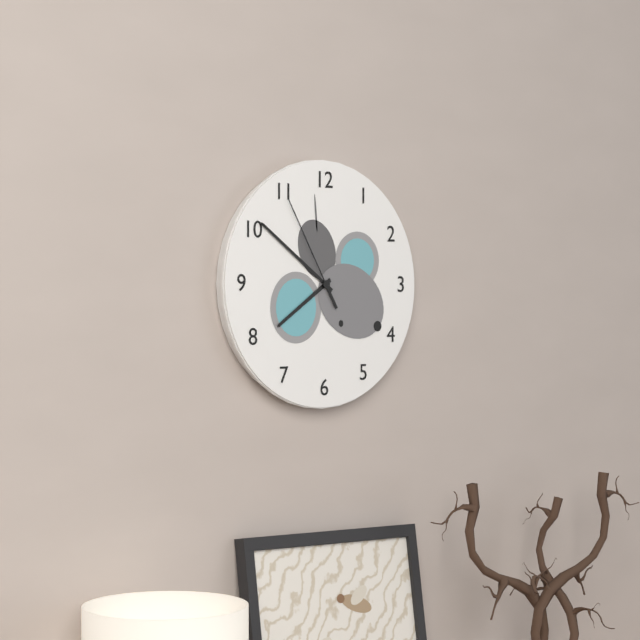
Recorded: 7,51,55
